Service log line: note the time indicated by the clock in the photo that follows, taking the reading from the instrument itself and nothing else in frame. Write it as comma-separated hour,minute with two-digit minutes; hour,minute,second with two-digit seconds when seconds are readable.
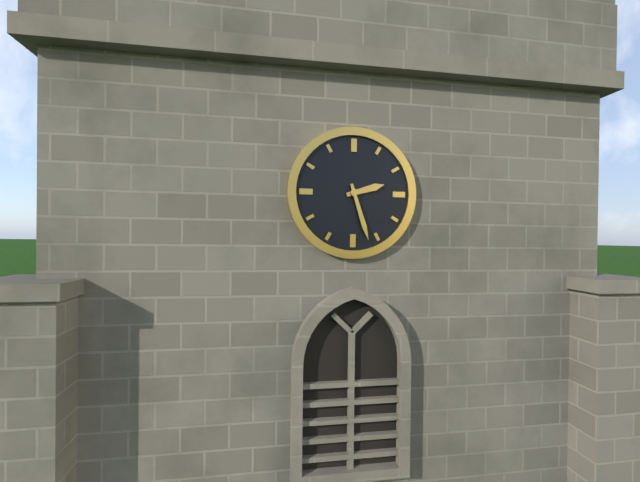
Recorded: 2,27
